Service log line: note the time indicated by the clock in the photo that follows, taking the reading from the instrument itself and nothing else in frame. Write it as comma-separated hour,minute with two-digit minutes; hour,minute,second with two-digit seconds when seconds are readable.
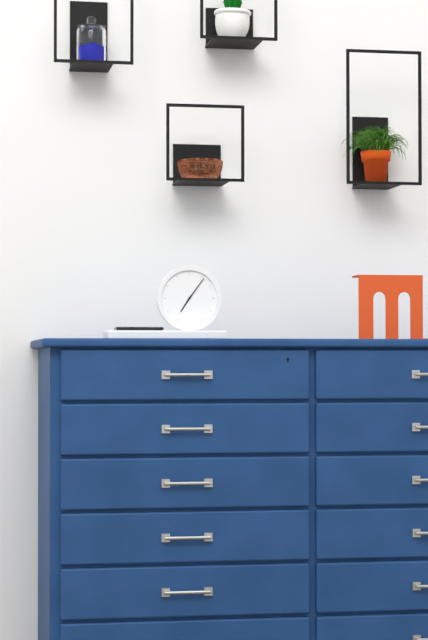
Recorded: 7,06
